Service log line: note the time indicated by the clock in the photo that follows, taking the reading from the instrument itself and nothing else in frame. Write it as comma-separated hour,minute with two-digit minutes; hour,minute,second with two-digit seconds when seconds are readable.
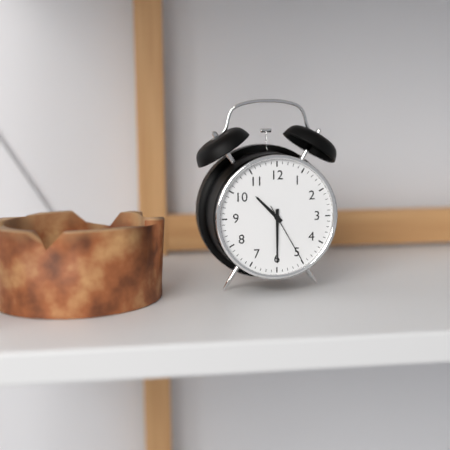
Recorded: 10,30,25
